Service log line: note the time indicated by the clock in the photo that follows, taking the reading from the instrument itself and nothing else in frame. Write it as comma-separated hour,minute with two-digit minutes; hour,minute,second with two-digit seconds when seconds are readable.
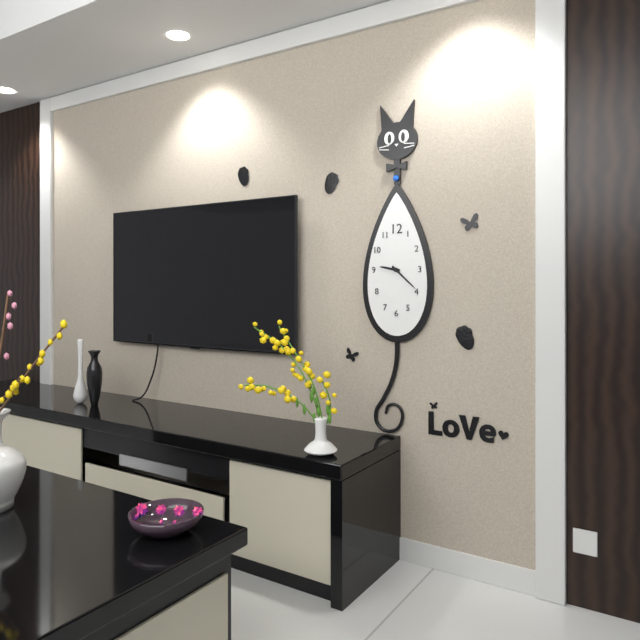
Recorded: 9,22
